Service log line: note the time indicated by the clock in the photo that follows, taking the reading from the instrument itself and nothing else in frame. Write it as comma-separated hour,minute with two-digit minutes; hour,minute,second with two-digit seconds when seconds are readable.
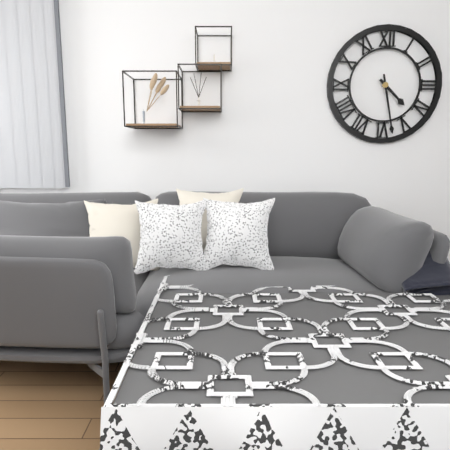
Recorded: 4,28
